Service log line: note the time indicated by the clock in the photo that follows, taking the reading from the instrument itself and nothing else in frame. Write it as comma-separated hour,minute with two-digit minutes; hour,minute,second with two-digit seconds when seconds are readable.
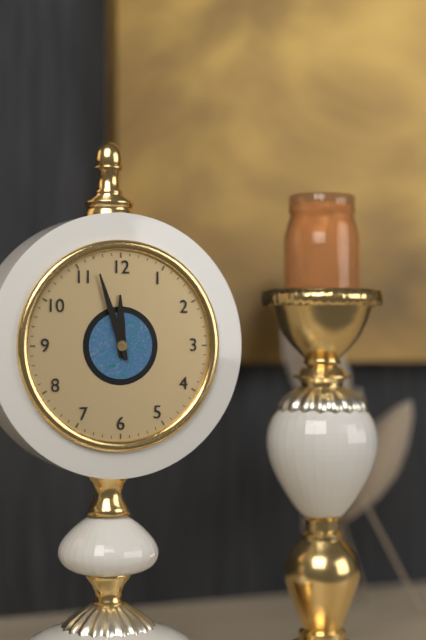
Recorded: 11,57
